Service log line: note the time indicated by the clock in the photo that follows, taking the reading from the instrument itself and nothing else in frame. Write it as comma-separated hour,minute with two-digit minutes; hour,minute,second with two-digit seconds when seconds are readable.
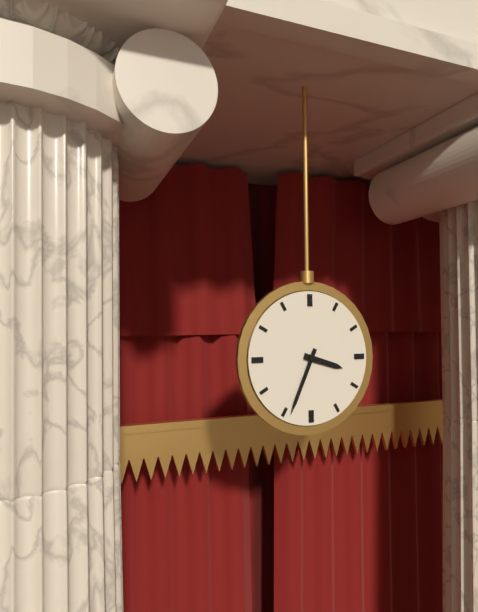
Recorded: 3,34
